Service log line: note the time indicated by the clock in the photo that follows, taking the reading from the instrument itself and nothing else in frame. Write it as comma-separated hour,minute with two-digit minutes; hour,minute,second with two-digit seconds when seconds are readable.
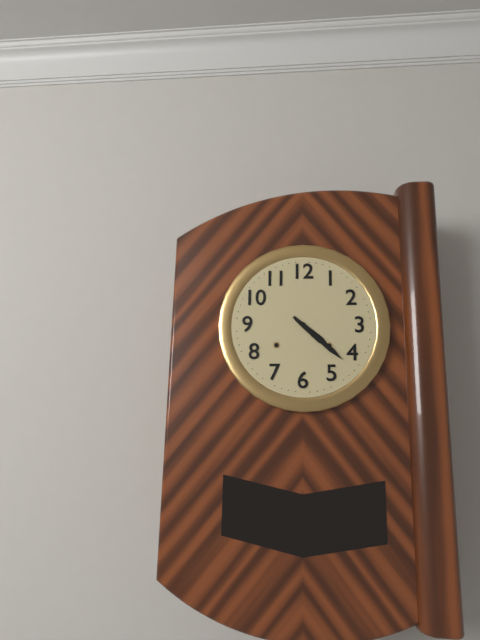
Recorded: 4,22
